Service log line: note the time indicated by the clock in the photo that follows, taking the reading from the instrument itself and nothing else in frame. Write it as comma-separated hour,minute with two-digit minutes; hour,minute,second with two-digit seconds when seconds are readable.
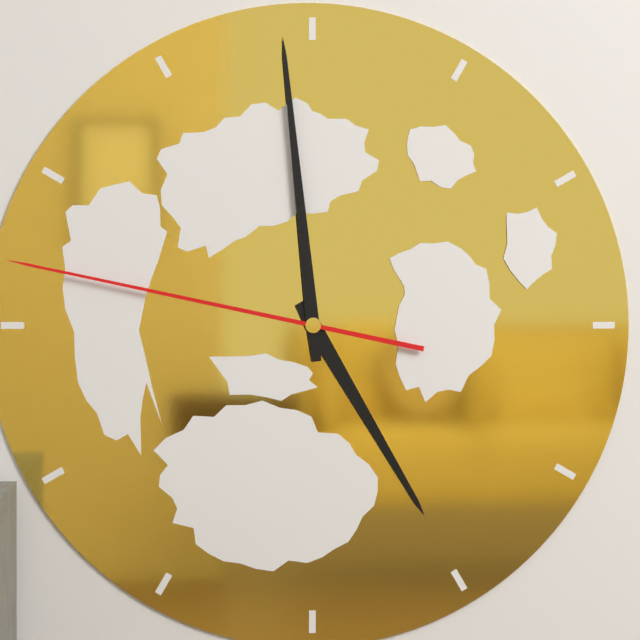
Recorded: 4,59,47
